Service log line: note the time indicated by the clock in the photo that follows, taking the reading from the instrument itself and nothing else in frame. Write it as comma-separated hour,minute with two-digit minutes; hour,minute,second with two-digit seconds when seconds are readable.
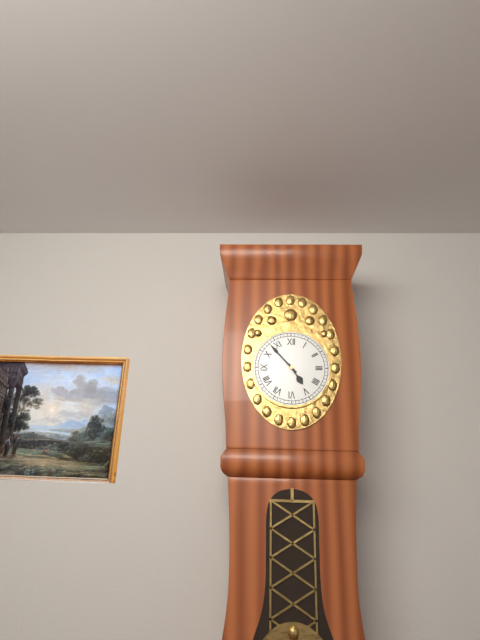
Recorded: 4,53
